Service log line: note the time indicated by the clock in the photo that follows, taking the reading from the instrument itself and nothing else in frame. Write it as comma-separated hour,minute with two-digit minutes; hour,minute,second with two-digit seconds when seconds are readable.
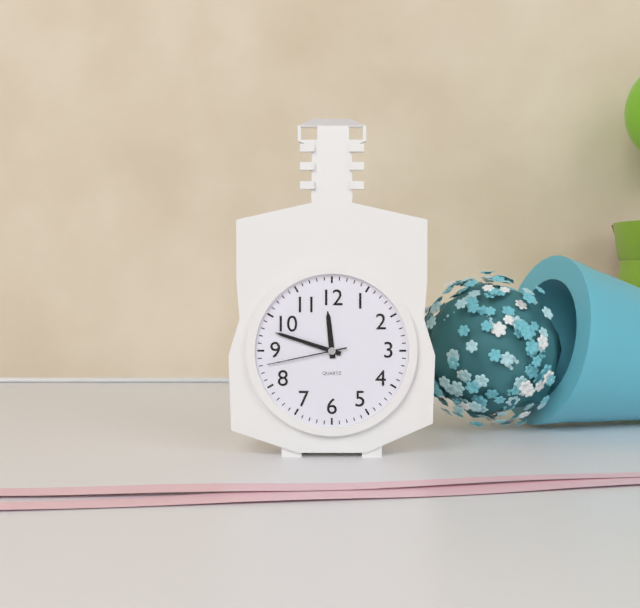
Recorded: 11,48,43
